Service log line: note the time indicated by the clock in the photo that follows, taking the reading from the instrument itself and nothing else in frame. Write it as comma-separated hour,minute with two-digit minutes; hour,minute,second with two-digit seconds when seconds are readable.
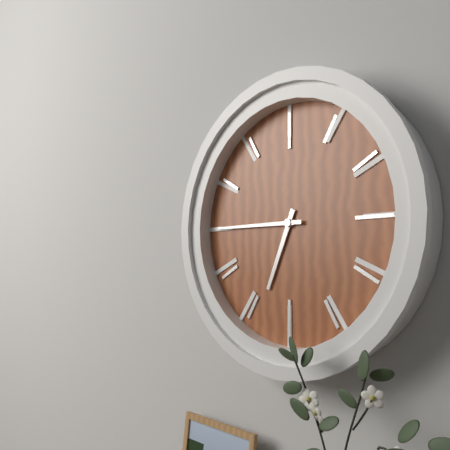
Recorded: 6,45
